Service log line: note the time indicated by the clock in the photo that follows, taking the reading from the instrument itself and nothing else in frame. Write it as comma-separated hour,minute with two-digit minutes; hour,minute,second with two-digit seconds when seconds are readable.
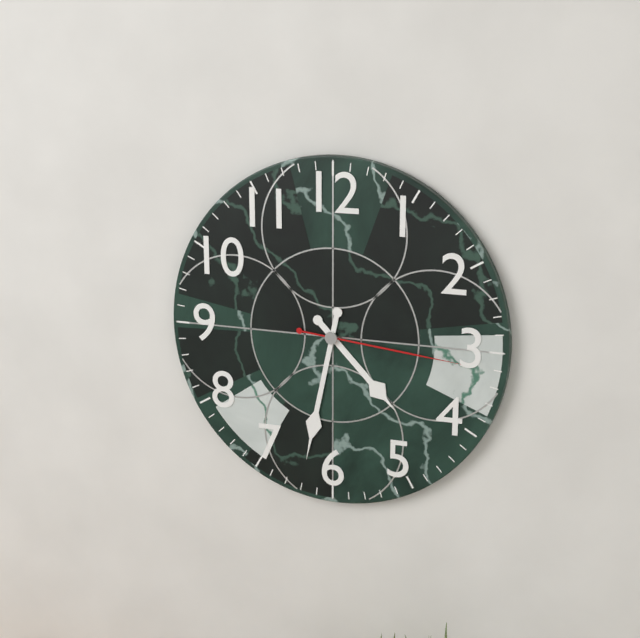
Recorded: 4,32,16
